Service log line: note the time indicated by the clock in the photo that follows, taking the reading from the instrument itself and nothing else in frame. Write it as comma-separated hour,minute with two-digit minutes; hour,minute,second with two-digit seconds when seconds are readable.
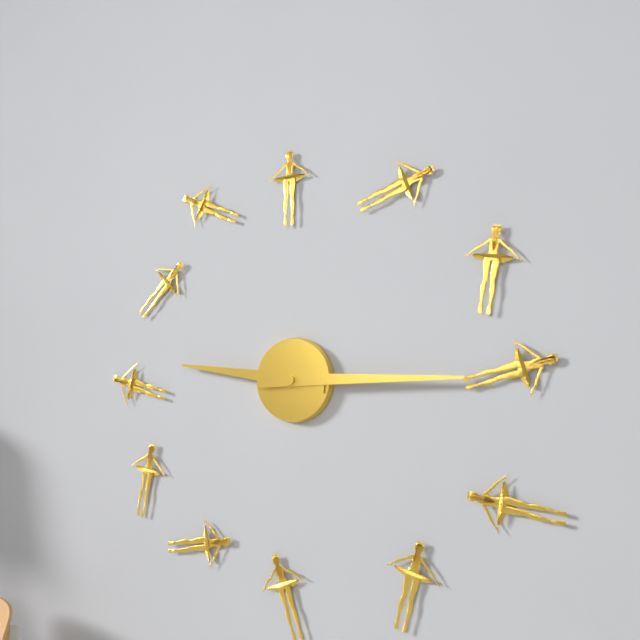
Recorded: 9,15
